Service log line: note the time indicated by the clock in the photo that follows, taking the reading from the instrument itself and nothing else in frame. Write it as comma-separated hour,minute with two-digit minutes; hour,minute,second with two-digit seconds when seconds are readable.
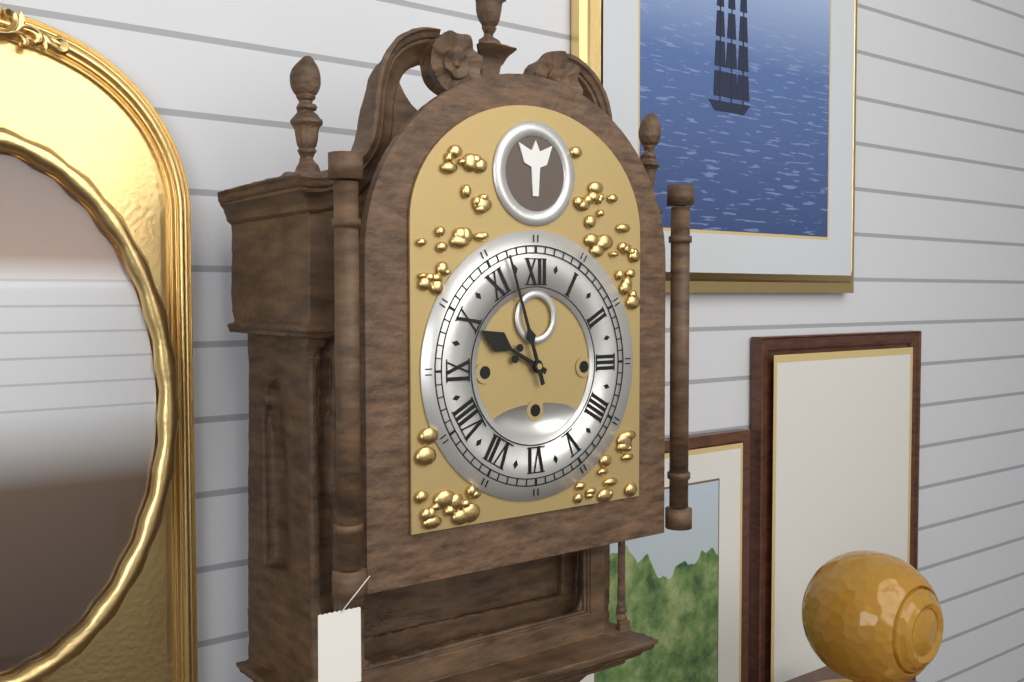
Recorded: 9,57
